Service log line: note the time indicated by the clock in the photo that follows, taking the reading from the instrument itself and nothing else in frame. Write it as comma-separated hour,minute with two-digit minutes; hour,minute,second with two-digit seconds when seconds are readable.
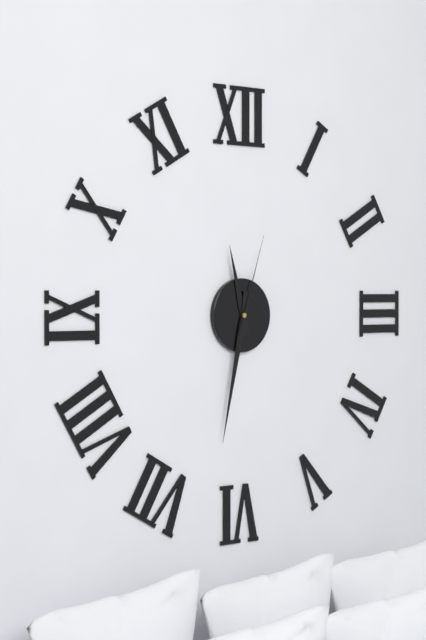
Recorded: 11,32,03
